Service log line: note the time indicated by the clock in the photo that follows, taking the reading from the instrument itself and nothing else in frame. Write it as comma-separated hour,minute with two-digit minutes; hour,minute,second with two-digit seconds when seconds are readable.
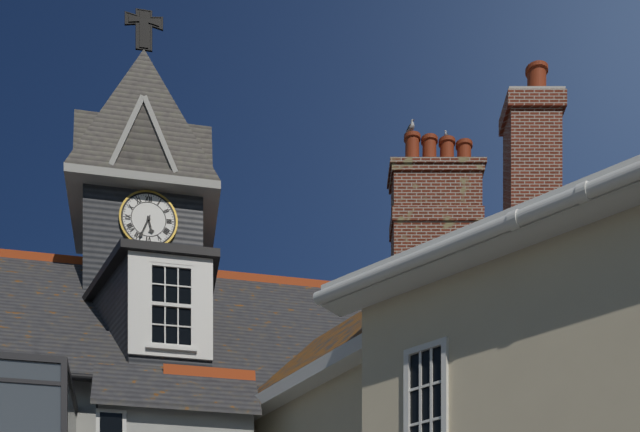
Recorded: 5,34
